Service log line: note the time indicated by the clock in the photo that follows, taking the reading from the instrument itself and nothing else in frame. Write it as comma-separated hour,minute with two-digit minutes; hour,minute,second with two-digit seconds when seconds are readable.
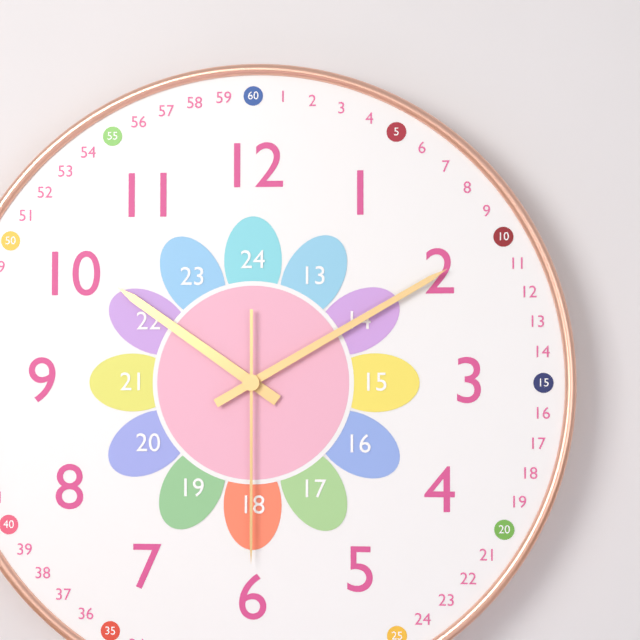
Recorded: 10,10,30
